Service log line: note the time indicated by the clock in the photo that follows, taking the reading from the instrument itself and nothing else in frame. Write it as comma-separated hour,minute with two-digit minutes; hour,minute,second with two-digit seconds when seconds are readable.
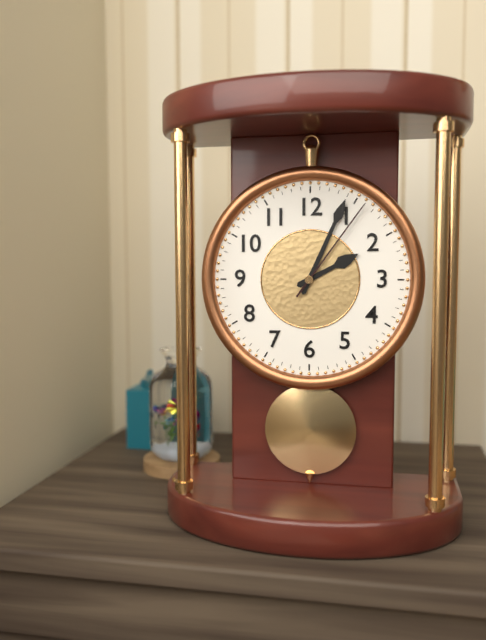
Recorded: 2,04,06
